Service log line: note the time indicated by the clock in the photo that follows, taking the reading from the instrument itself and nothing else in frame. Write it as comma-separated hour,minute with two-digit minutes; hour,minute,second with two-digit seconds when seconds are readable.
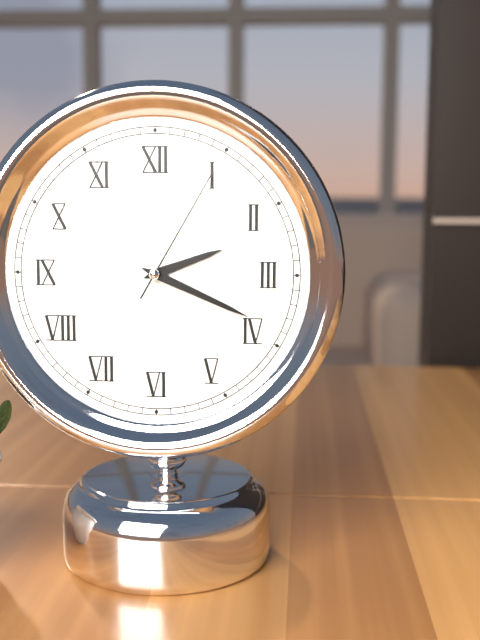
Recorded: 2,19,05
